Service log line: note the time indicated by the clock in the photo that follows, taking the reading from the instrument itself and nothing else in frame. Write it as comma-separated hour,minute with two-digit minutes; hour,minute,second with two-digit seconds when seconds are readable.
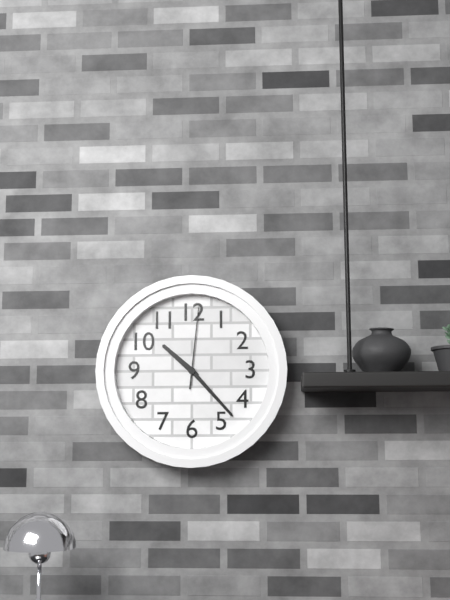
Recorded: 10,23,01
